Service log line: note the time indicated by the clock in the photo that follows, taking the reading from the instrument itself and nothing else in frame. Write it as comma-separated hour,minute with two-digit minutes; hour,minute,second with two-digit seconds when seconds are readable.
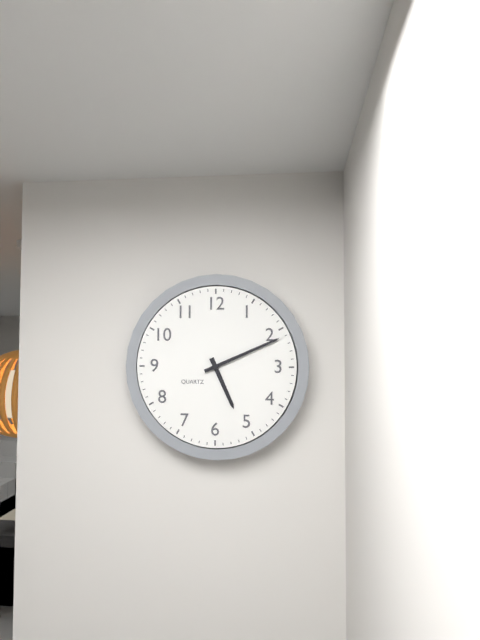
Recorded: 5,11
